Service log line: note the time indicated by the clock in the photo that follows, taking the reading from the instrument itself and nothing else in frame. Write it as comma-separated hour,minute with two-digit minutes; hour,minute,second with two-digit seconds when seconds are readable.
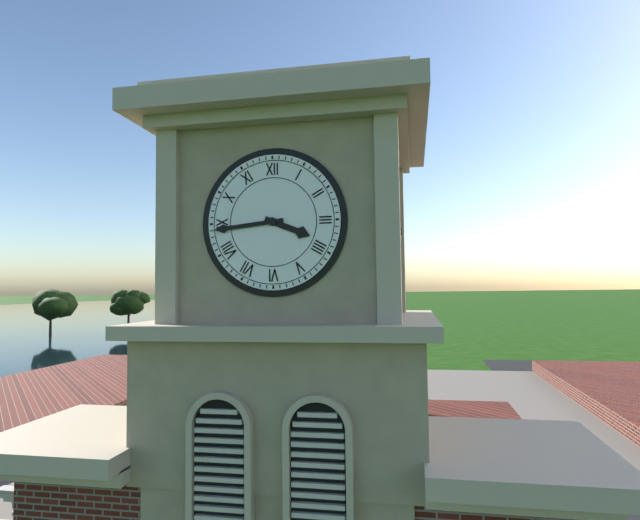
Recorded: 3,44
